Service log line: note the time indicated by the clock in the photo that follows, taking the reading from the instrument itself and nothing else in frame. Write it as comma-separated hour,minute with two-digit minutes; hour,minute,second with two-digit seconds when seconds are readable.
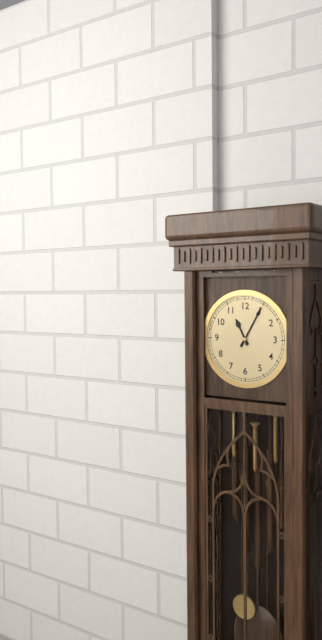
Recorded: 11,05
